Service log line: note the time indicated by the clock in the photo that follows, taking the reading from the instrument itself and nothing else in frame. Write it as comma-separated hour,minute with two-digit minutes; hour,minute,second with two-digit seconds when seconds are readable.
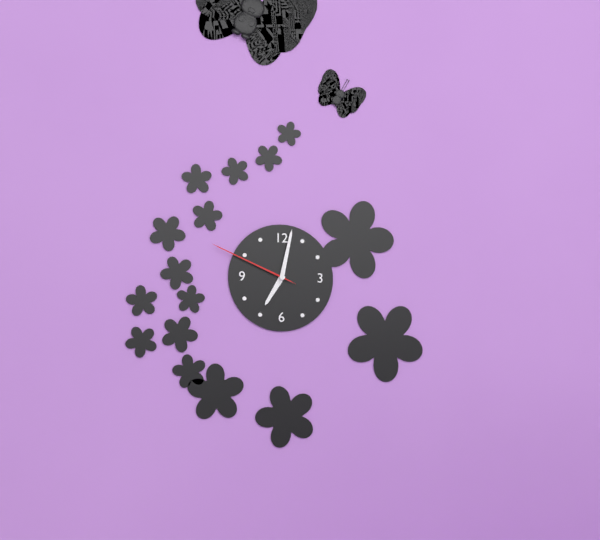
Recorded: 7,02,49
